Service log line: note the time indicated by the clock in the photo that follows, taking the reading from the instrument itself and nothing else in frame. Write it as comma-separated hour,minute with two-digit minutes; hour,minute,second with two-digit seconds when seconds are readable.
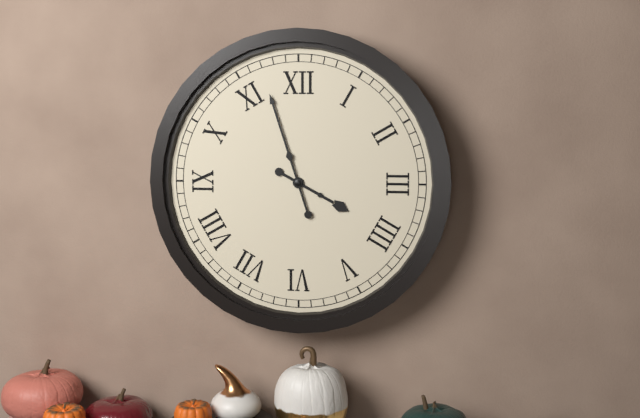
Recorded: 3,57
